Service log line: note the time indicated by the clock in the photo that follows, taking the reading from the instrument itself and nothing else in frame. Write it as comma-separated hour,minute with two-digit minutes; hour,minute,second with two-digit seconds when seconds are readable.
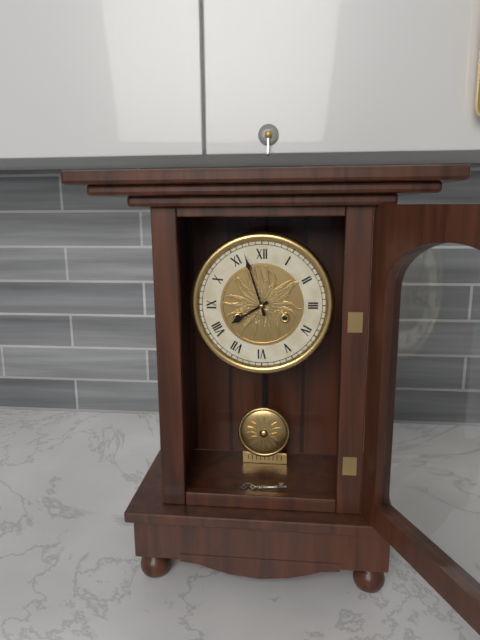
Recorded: 7,57
